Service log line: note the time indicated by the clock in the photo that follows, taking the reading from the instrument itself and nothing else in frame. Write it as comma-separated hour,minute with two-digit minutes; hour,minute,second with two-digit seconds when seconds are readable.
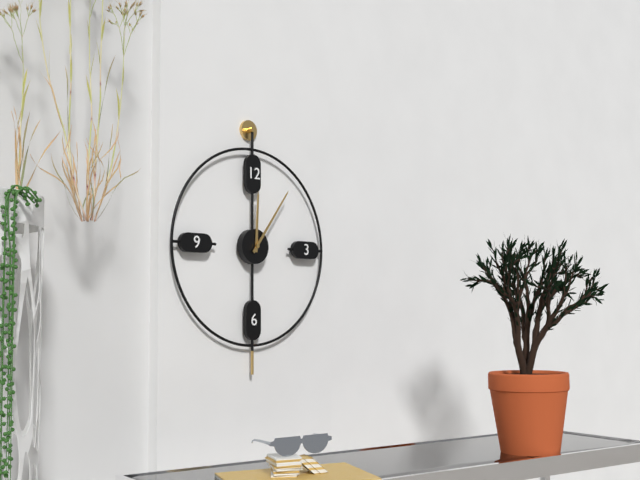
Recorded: 12,06
